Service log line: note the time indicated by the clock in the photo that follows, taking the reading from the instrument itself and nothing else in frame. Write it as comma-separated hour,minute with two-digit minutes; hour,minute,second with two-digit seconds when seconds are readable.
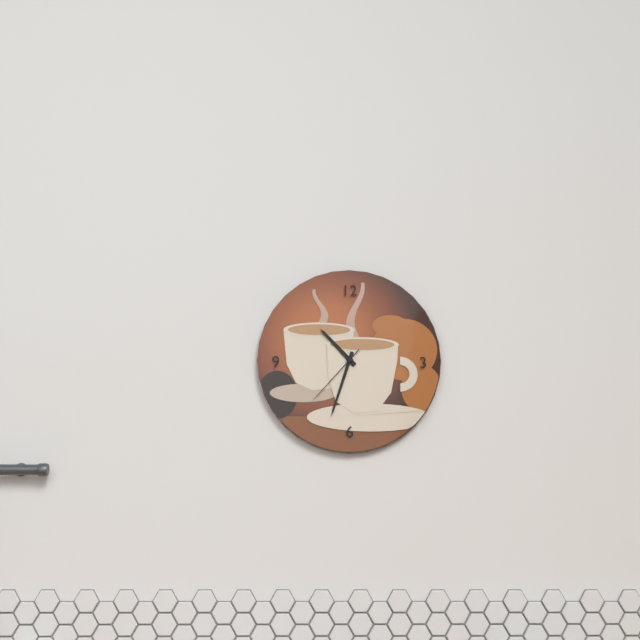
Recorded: 10,33,37
